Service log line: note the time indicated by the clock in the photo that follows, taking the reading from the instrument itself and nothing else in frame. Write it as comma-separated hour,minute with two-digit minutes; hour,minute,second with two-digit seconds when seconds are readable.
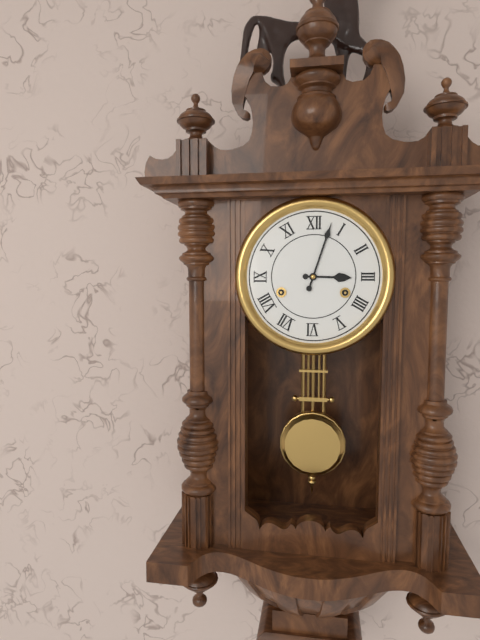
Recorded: 3,03
